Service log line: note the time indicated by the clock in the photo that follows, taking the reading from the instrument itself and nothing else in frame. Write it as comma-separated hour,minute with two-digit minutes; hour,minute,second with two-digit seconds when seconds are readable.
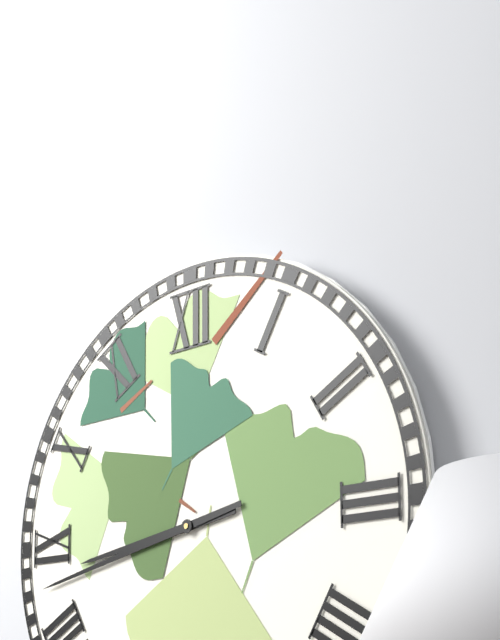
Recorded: 8,43
